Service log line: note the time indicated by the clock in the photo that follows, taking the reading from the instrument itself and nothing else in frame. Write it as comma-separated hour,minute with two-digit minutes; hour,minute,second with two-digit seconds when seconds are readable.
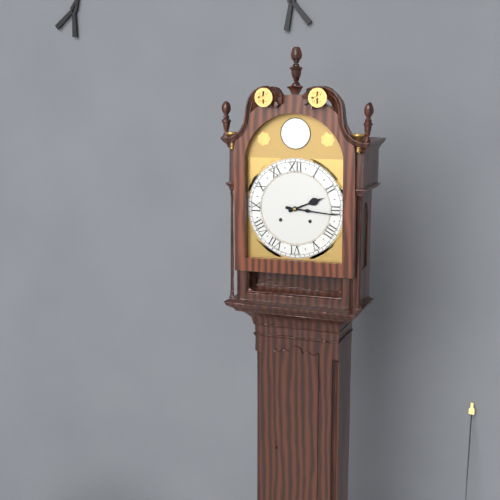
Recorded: 2,16
